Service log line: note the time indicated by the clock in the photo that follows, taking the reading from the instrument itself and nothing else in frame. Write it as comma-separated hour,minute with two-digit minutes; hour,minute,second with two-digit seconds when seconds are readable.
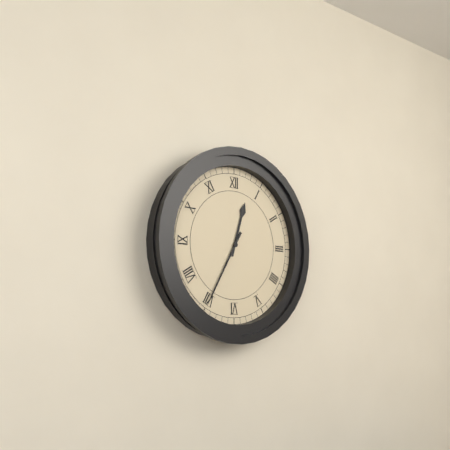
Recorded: 12,35
